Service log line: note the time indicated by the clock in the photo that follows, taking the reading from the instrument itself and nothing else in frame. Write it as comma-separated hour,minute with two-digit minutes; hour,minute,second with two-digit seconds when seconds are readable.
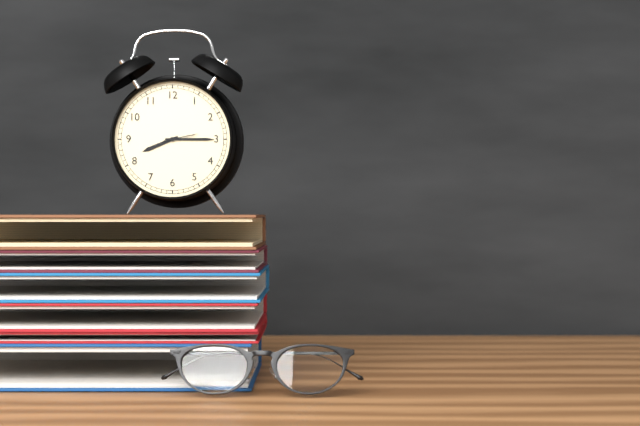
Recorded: 8,15
